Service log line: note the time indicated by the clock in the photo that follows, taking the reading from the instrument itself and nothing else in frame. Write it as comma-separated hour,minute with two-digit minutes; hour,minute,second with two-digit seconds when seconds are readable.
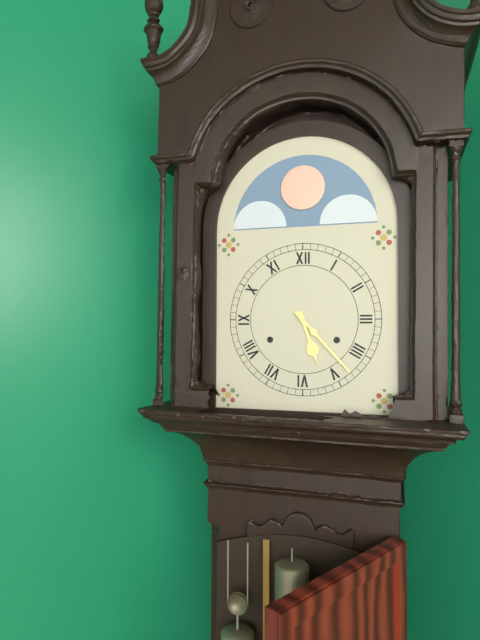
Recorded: 5,23
